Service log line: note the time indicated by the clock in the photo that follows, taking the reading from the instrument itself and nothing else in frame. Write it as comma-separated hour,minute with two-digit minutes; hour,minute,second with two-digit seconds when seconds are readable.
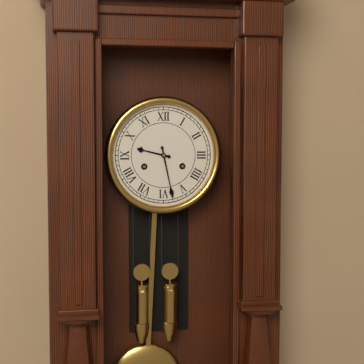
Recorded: 9,28
